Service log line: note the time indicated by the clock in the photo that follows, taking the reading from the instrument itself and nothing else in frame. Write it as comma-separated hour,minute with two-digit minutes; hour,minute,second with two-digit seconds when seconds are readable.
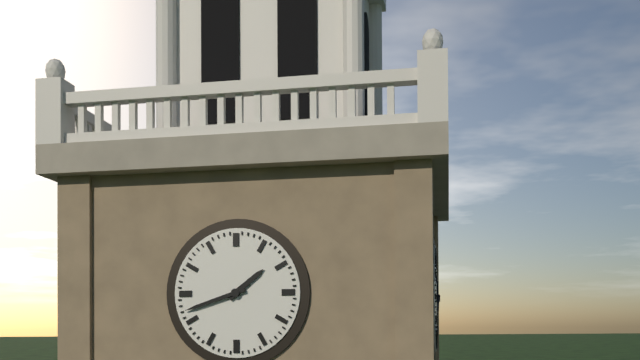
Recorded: 1,42
